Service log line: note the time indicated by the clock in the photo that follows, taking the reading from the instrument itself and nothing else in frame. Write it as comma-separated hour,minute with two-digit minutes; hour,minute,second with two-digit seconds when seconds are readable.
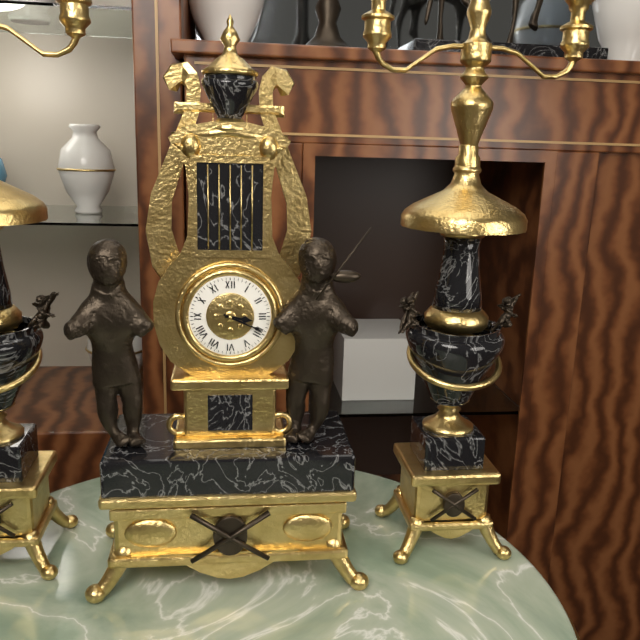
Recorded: 3,19
